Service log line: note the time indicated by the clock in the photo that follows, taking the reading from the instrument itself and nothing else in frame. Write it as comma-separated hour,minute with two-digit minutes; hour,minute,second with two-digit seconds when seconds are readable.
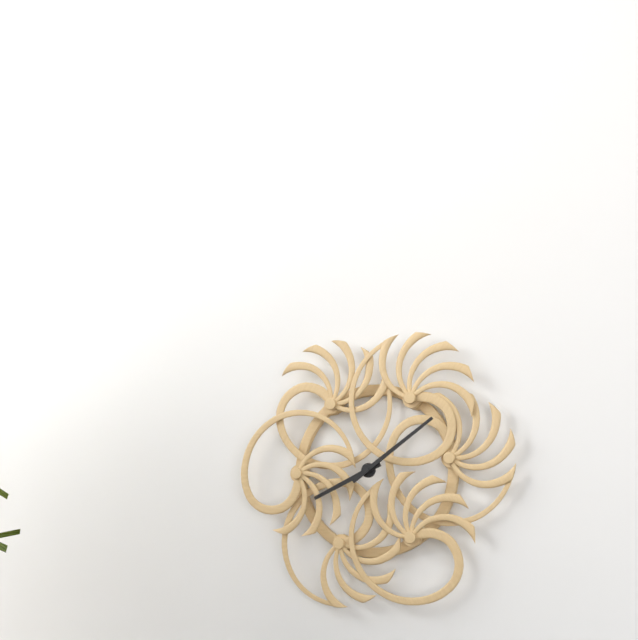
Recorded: 8,09
